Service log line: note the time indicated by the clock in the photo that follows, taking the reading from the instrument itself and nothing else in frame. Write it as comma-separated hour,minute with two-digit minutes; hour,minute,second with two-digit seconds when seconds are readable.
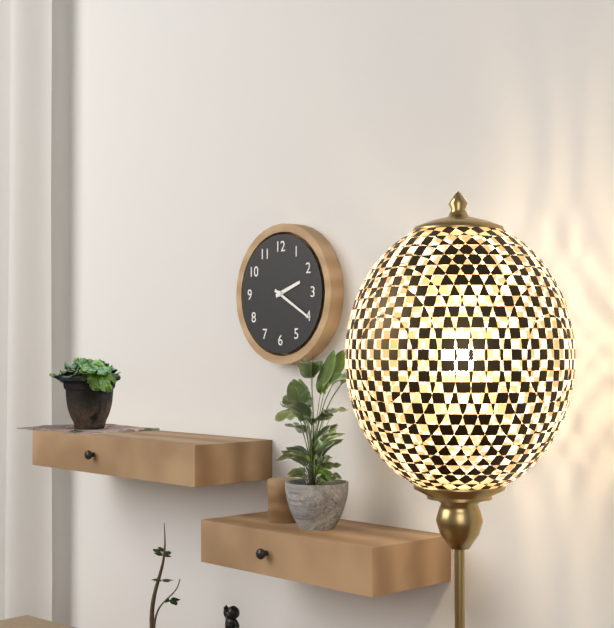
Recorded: 2,20
